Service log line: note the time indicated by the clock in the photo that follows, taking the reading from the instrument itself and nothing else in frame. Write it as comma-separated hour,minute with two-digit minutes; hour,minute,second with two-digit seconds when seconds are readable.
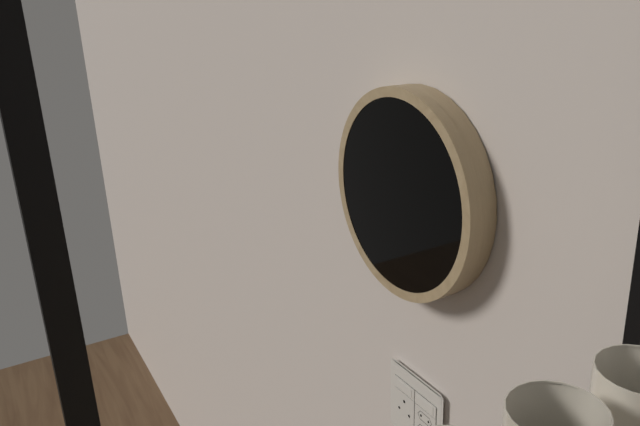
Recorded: 10,13
